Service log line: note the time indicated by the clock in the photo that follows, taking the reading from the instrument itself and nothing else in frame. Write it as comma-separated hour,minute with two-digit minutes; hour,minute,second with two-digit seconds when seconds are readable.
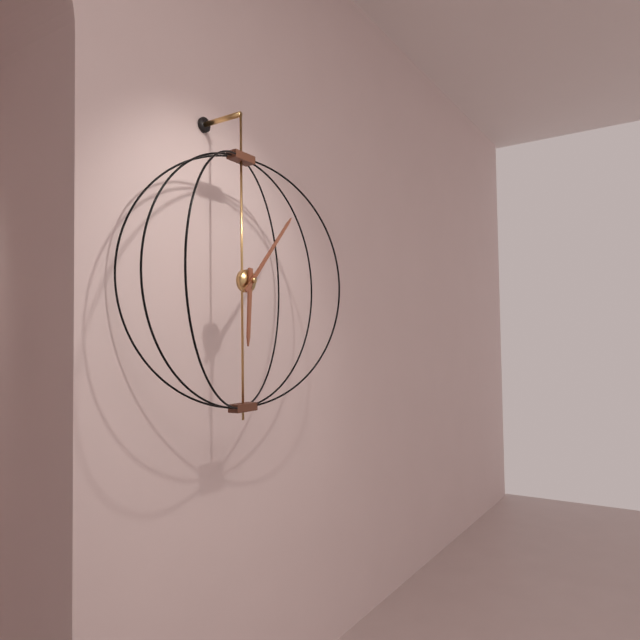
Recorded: 6,07
